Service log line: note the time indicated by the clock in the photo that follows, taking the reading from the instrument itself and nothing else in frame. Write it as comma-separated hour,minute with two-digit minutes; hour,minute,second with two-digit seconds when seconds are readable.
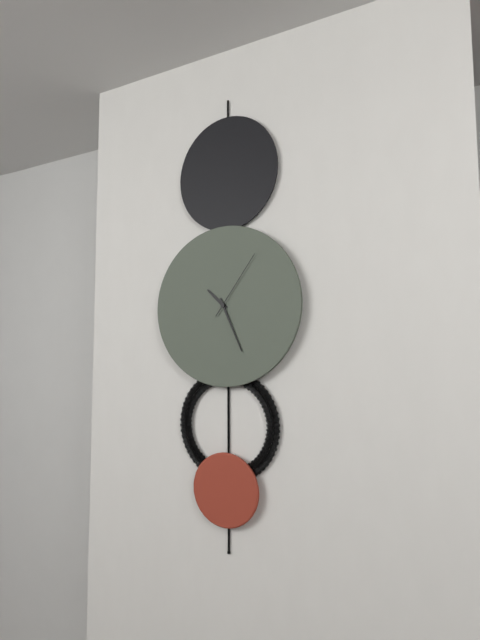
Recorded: 10,26,06
